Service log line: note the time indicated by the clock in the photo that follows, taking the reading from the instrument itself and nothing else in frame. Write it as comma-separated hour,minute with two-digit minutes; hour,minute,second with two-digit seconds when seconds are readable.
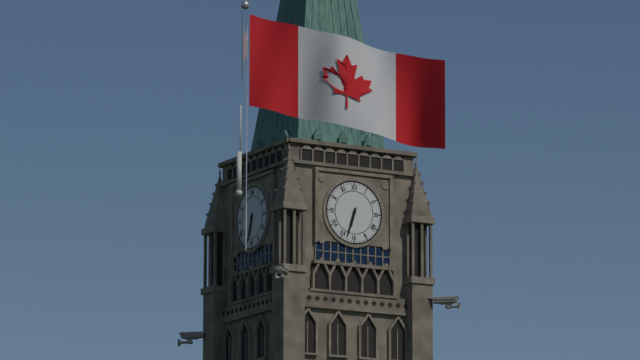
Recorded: 6,33
